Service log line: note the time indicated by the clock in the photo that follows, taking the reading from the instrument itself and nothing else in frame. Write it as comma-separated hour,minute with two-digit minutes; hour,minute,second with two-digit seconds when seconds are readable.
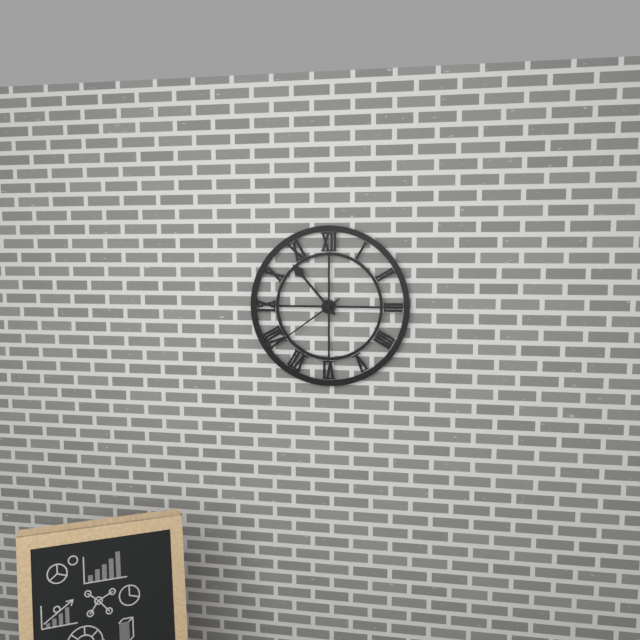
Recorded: 10,39
